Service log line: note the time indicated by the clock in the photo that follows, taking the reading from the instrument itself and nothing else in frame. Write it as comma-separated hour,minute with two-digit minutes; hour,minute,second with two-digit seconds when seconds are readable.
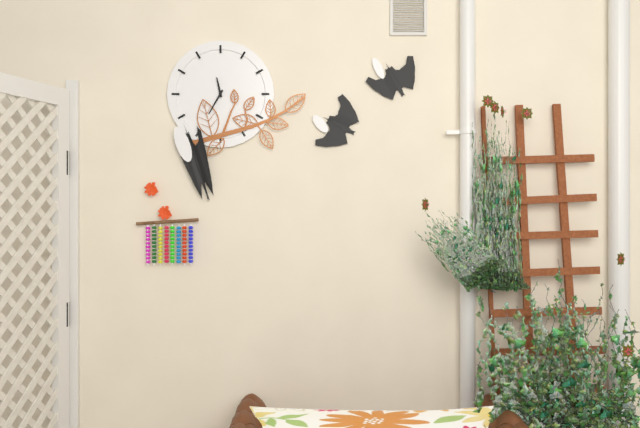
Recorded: 11,35
